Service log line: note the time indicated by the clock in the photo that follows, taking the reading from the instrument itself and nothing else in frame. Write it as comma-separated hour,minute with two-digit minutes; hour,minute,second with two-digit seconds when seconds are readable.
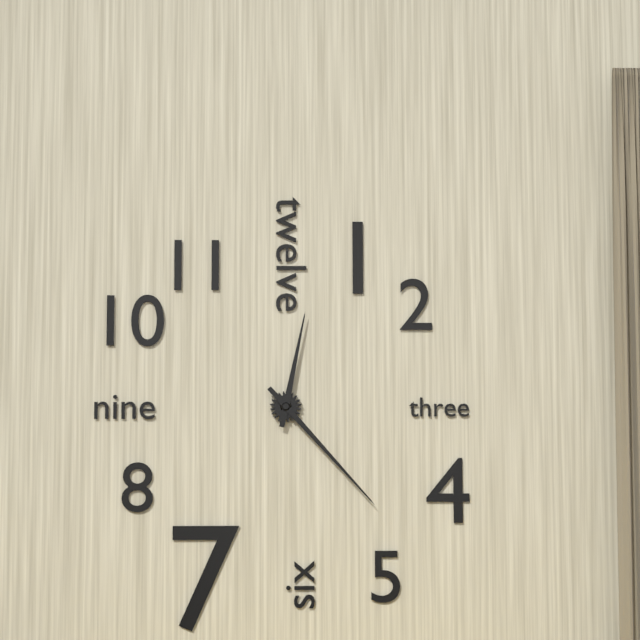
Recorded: 12,23
